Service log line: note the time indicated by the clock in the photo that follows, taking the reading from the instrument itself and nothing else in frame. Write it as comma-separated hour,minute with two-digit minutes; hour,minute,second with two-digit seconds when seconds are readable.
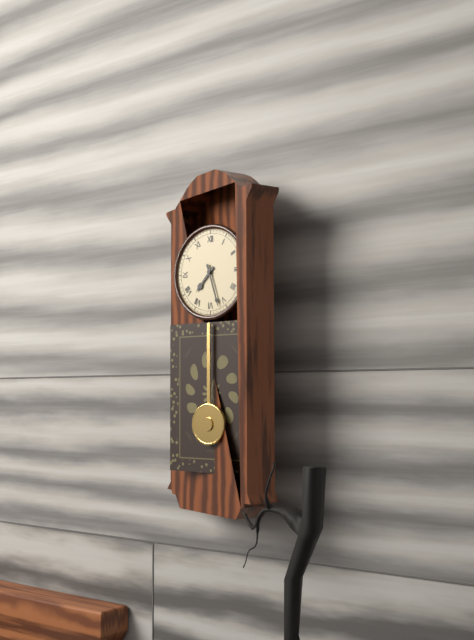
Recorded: 7,27
